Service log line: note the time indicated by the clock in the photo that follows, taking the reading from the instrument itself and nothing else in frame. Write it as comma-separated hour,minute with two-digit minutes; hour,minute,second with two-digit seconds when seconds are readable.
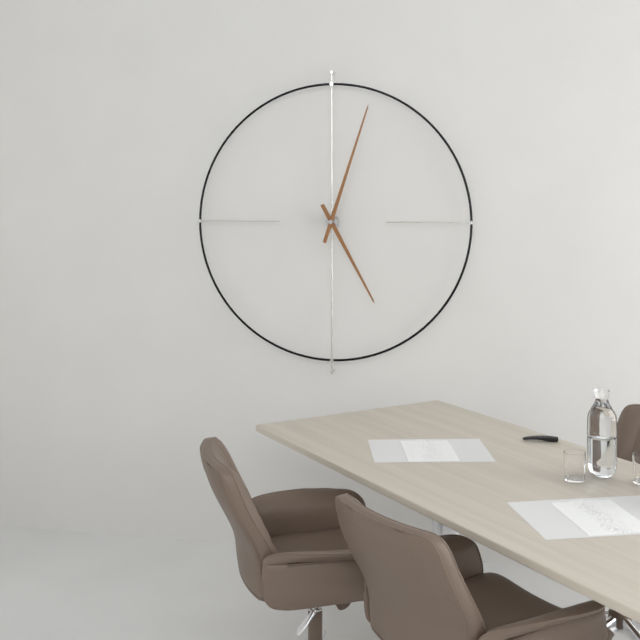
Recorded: 5,03
